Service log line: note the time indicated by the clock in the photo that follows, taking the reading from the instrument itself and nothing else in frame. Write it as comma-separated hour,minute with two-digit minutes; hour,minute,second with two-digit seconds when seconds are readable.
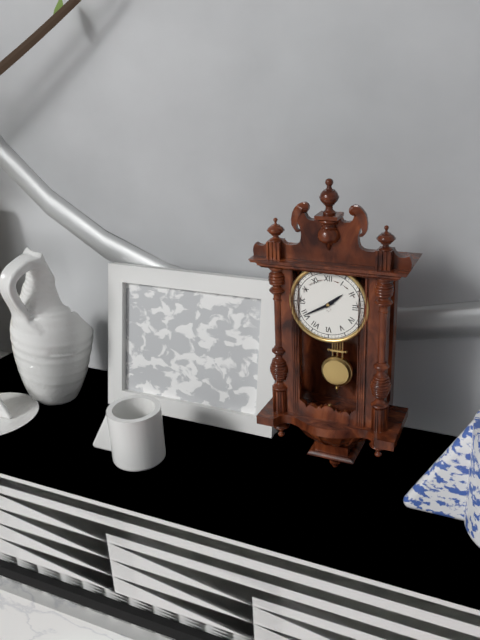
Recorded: 1,40
